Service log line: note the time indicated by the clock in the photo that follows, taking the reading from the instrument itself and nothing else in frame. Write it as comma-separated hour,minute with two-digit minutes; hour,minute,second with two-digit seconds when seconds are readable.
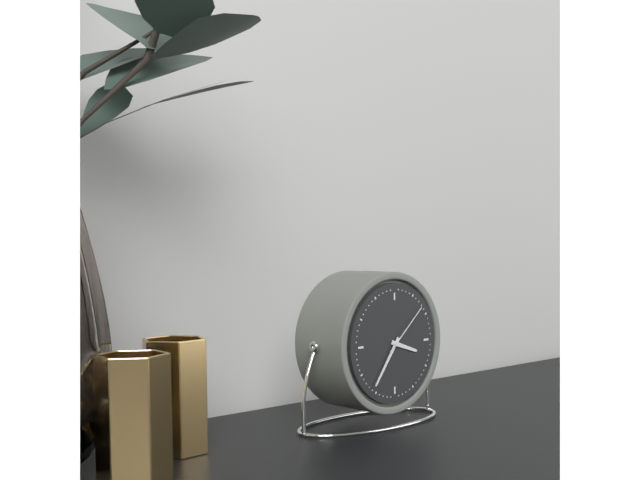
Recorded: 3,36,08
